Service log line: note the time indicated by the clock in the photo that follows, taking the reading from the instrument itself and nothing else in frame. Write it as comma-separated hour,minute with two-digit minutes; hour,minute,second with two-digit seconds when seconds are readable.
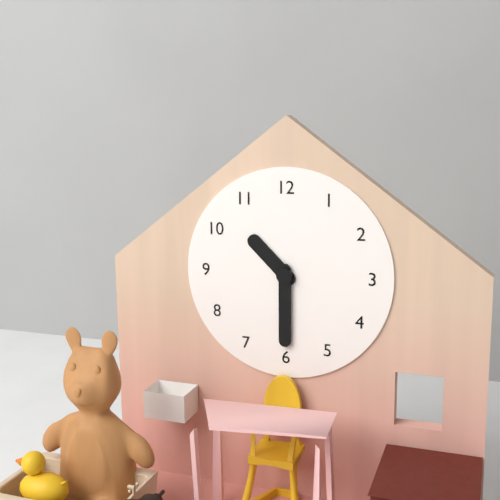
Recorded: 10,30
